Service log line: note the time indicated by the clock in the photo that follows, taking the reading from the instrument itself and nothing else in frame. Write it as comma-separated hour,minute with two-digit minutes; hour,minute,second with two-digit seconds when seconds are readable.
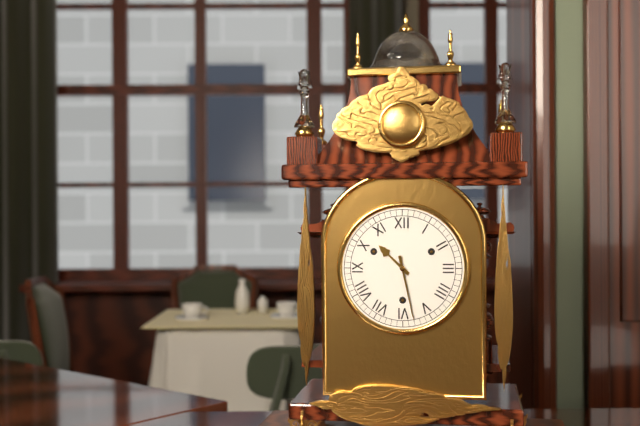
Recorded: 10,28
